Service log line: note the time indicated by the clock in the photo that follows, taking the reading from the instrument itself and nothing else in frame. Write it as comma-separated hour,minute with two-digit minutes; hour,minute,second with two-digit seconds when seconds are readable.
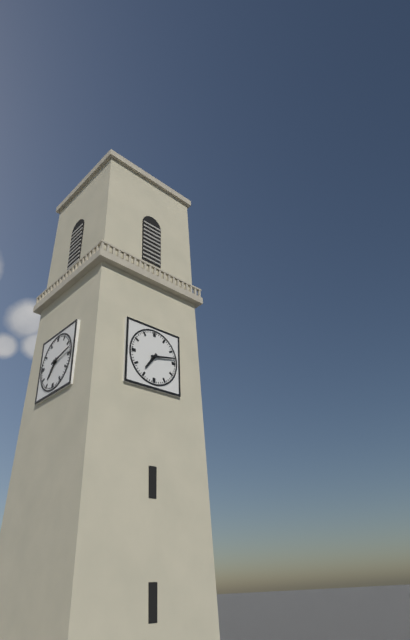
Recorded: 7,13
